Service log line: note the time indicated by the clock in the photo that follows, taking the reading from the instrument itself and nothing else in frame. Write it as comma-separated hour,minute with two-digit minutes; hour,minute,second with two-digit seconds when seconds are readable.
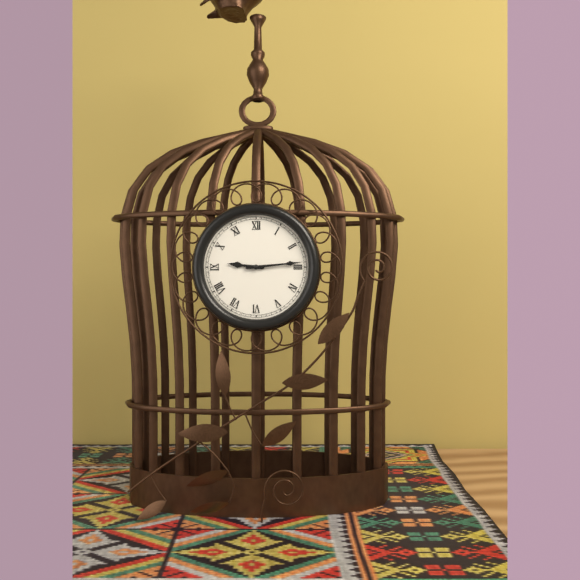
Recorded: 9,14
